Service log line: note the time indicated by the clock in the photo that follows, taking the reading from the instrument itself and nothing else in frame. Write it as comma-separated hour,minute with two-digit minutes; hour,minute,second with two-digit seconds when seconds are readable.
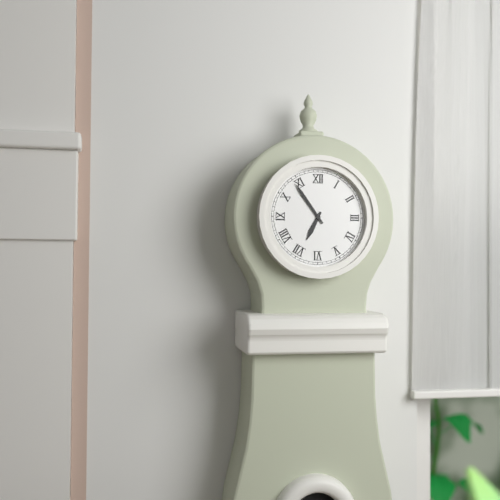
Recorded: 6,54
